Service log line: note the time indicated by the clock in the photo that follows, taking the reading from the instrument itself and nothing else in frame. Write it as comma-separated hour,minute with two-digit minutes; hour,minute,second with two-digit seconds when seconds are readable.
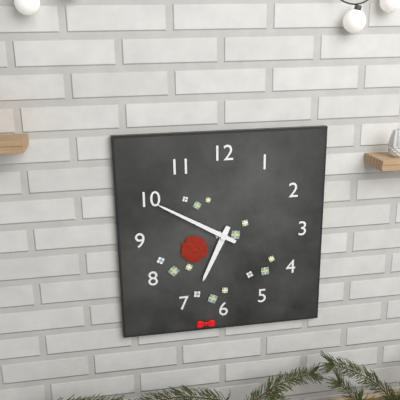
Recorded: 6,50
